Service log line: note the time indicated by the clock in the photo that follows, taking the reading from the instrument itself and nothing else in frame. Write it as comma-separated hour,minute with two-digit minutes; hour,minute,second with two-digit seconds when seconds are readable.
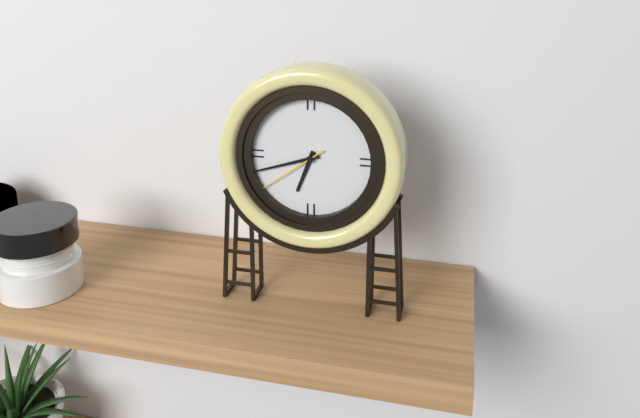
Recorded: 6,42,39
